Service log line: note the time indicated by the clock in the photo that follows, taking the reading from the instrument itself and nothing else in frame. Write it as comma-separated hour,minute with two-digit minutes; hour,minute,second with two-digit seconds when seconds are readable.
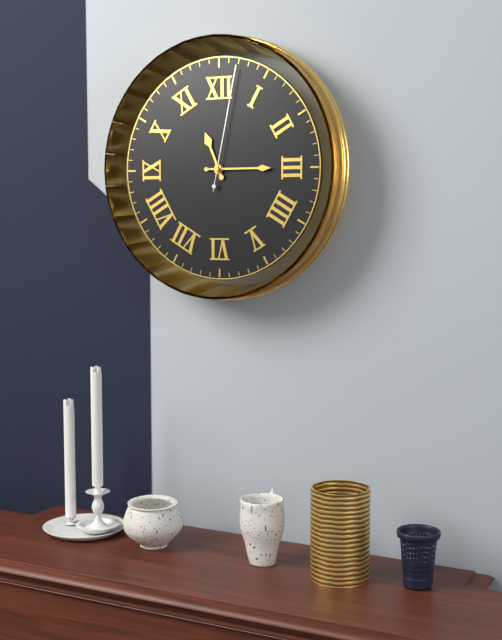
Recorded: 11,15,02
